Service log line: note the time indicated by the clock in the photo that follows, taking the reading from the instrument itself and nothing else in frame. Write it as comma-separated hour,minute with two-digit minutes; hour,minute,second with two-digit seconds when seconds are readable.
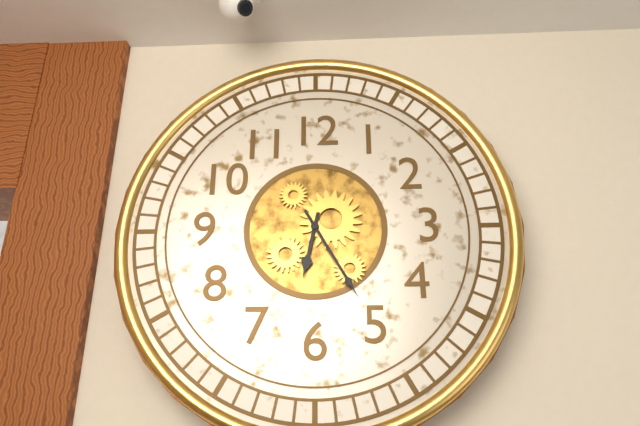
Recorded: 6,25
